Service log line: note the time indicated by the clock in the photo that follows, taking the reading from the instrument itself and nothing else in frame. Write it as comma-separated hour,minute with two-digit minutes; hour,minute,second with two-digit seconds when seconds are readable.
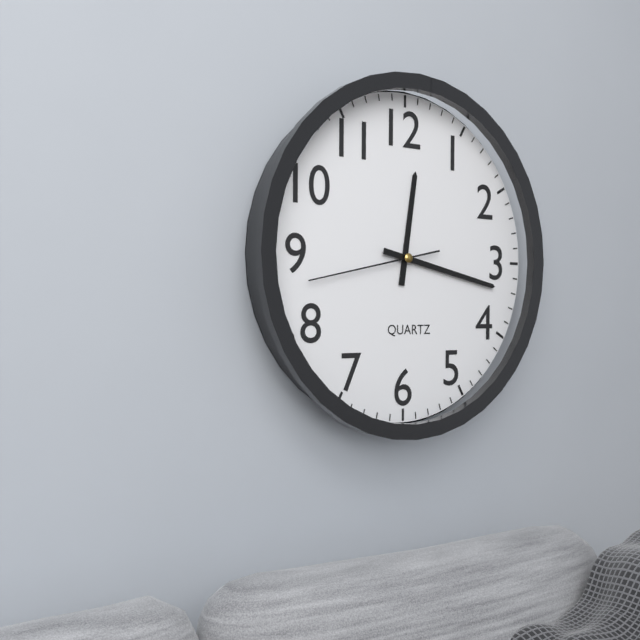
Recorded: 12,17,43
